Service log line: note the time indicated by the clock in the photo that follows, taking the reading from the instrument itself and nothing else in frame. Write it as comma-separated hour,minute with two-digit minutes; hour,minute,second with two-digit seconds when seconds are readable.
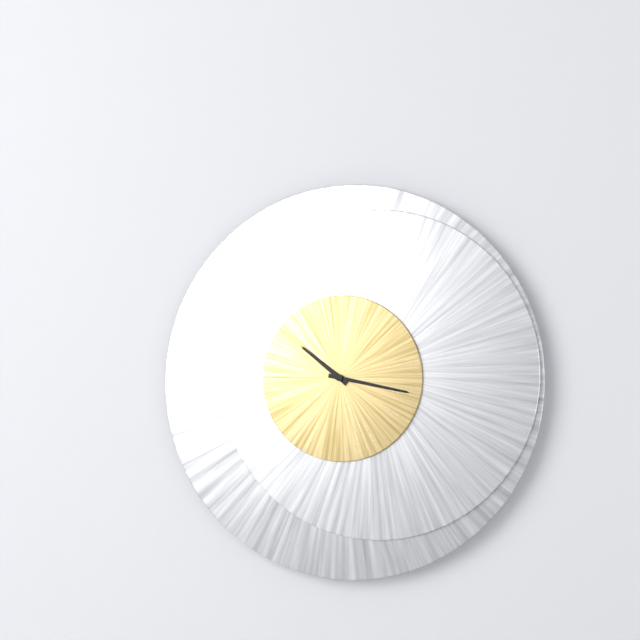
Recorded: 10,17
